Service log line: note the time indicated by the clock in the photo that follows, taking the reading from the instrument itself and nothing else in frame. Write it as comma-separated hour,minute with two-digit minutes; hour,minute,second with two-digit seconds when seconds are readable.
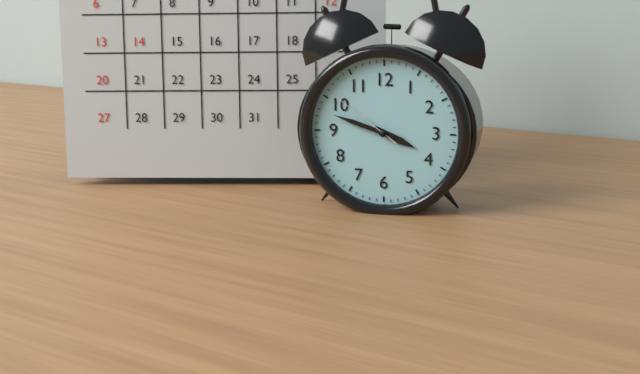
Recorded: 3,48,51
